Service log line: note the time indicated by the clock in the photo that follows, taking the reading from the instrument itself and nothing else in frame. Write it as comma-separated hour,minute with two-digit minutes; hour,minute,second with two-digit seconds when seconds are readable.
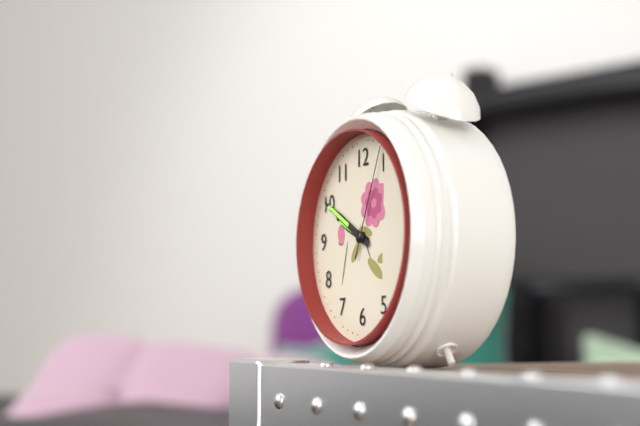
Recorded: 9,50,04
